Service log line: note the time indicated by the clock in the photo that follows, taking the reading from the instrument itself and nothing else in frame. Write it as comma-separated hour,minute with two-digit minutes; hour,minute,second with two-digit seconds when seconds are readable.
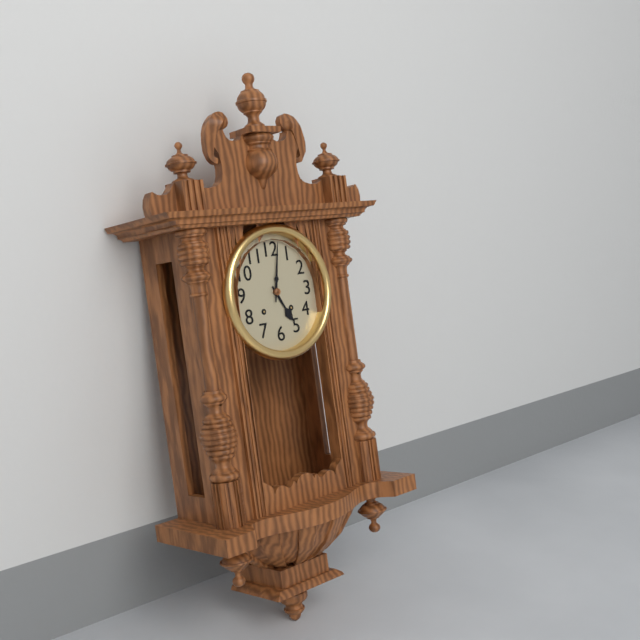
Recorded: 5,02
